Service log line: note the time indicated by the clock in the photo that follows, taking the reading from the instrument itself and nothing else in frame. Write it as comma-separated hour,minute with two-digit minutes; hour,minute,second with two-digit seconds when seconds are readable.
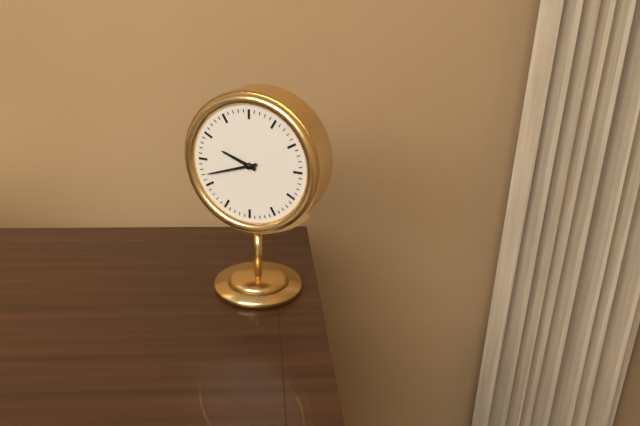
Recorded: 9,42
